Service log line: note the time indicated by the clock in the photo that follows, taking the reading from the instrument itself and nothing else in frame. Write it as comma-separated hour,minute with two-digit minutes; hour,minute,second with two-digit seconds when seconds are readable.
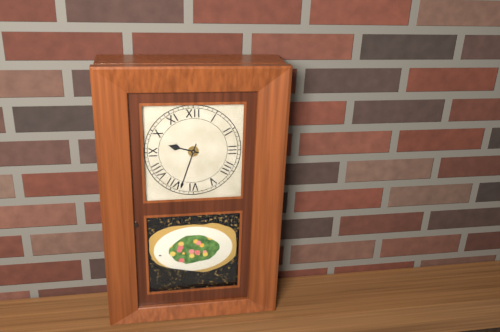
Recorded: 9,33
